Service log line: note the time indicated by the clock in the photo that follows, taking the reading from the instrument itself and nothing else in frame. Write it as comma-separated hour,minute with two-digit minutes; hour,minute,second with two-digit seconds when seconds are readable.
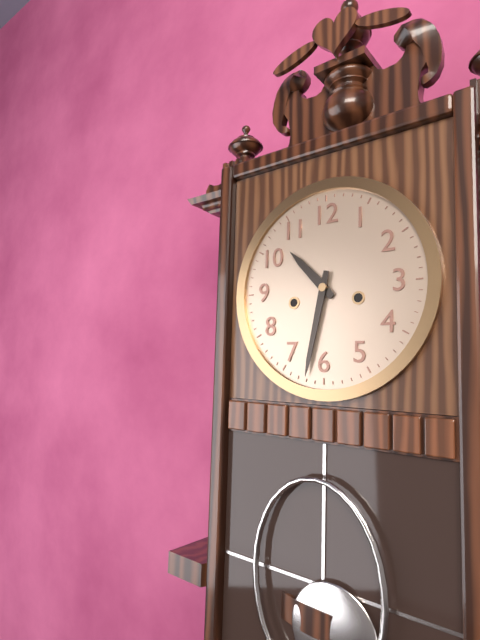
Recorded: 10,32
